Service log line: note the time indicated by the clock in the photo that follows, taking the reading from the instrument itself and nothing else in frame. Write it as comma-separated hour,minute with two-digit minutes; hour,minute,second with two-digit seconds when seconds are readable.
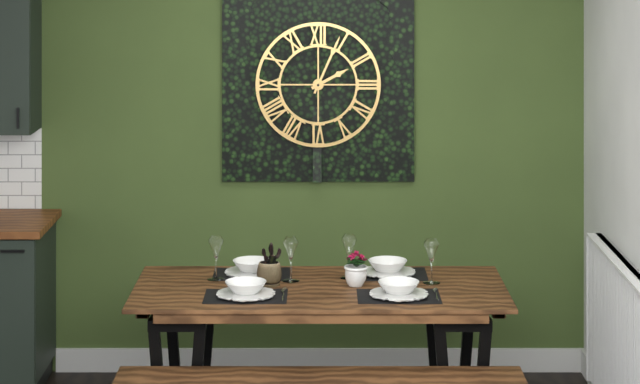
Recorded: 2,04
